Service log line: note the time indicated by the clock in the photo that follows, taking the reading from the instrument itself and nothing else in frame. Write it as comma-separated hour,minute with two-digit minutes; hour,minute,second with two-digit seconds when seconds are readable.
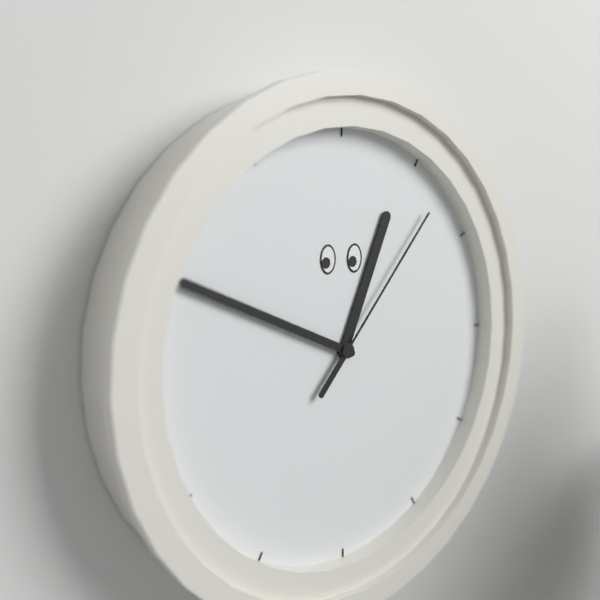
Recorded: 12,49,07
